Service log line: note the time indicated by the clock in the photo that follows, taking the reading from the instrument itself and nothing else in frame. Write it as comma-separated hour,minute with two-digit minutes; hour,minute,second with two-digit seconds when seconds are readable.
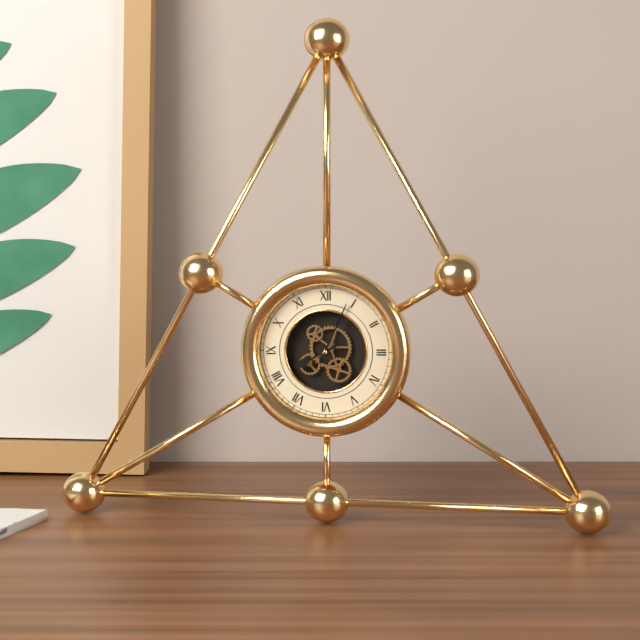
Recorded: 8,04
